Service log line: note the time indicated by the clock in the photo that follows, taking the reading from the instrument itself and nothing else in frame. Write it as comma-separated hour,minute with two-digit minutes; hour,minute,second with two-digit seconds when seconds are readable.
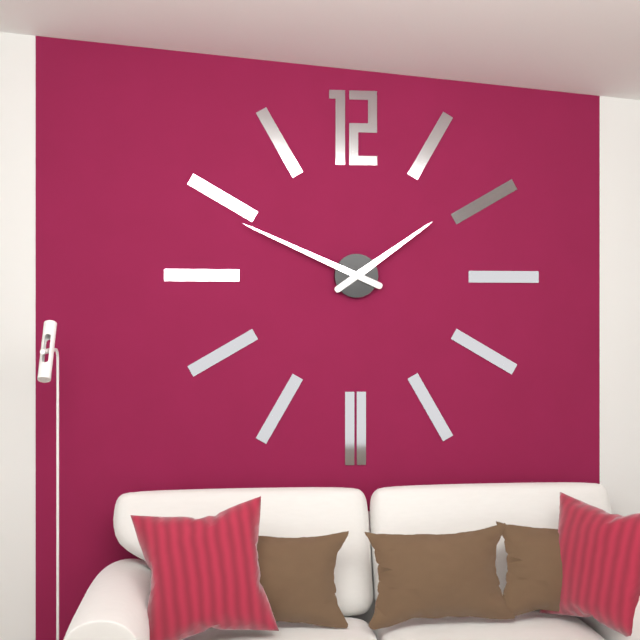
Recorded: 1,49
